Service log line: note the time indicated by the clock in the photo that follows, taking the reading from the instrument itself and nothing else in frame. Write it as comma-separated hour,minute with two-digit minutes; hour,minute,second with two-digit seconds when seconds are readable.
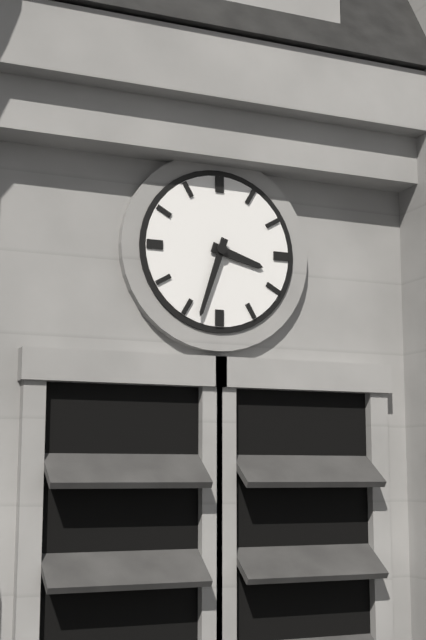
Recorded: 3,33
